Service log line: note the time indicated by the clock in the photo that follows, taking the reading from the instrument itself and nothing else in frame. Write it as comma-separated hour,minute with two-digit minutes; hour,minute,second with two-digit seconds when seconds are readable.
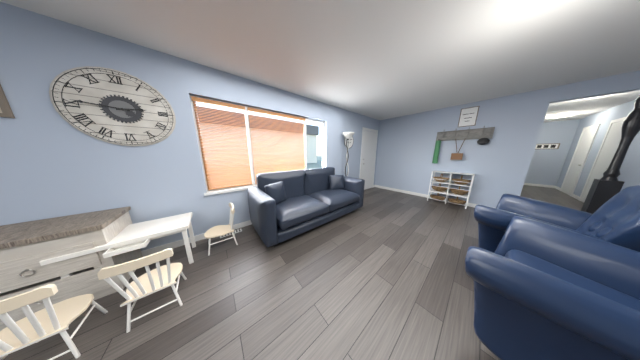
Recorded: 2,46
